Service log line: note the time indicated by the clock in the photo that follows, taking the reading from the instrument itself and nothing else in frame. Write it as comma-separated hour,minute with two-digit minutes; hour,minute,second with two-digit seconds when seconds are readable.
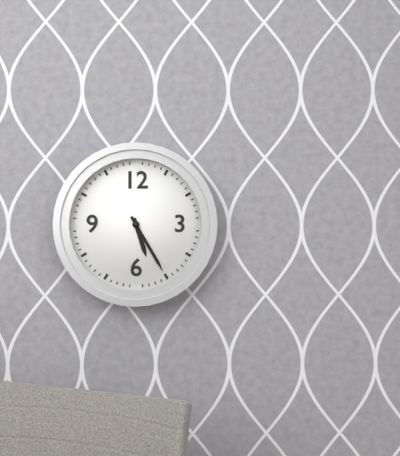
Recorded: 5,25
